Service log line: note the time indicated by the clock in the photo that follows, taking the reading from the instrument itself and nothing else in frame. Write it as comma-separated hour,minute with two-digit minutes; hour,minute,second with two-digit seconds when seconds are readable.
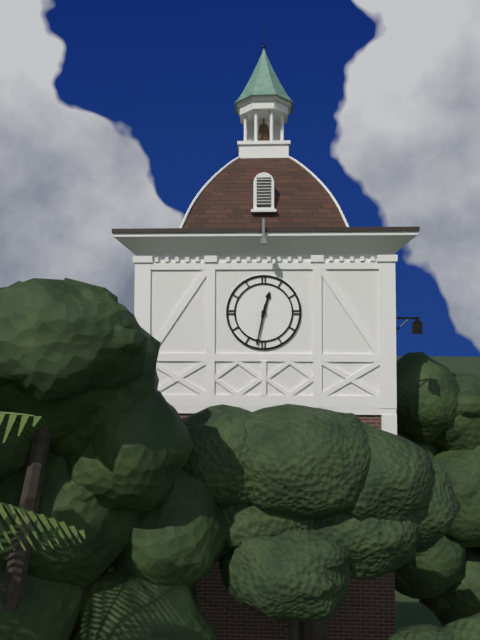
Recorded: 12,32
